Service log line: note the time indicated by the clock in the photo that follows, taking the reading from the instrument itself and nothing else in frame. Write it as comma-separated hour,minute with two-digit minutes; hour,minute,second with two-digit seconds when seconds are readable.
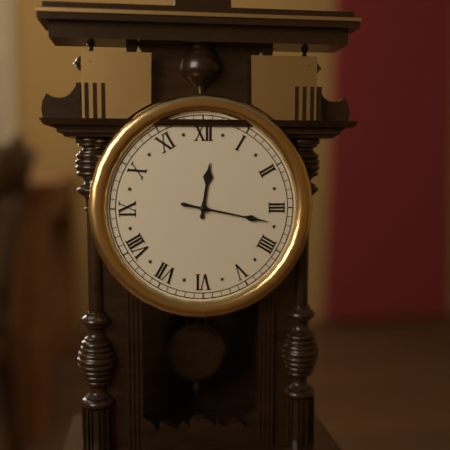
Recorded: 12,17
